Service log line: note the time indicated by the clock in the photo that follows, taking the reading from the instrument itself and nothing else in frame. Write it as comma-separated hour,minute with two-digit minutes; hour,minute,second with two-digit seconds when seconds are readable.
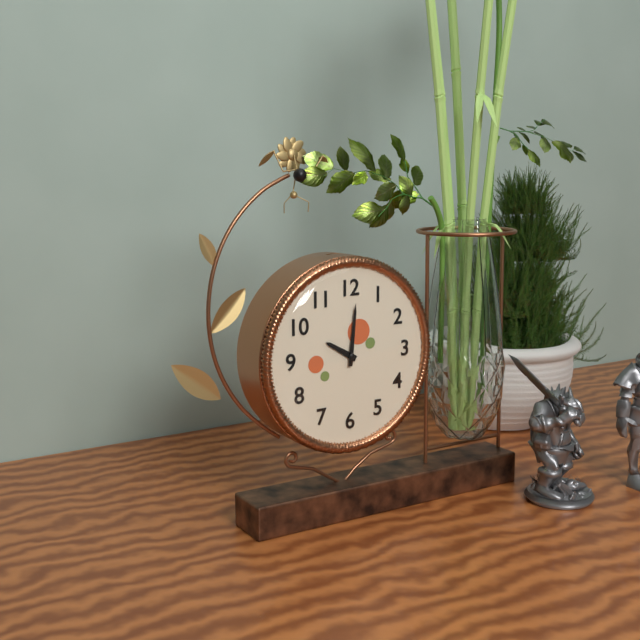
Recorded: 10,01
